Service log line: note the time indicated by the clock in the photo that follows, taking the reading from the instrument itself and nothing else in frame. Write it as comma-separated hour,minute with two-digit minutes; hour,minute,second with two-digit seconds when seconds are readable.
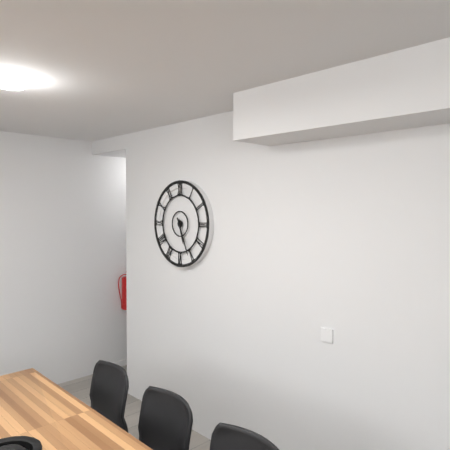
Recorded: 5,26
